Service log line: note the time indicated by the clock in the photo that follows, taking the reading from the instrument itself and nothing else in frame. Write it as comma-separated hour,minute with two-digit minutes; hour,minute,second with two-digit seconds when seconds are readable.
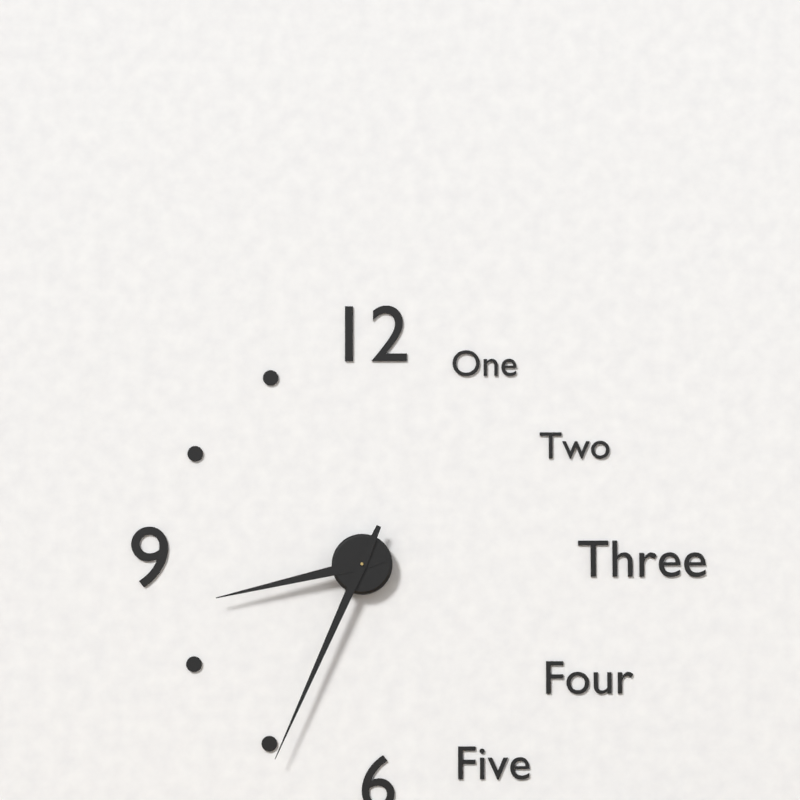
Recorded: 8,34
